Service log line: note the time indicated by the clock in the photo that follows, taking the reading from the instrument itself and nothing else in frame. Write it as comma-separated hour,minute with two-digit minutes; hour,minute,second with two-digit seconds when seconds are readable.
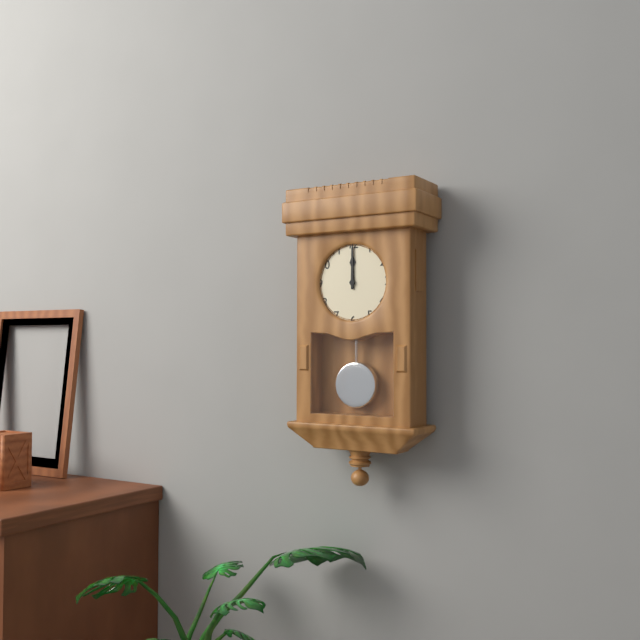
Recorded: 12,00
